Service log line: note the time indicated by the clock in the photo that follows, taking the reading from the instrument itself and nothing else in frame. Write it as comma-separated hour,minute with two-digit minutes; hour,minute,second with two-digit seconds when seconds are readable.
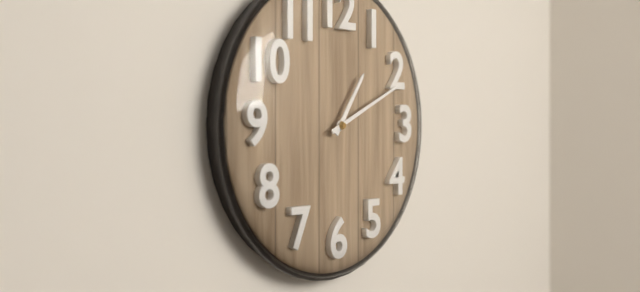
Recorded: 1,11
